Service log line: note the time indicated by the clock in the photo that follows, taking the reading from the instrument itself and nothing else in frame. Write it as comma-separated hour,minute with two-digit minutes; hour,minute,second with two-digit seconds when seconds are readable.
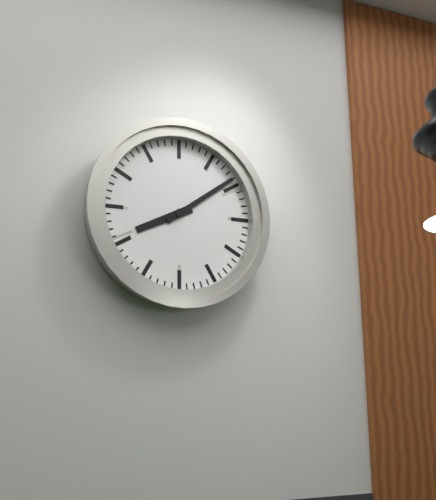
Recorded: 8,09
